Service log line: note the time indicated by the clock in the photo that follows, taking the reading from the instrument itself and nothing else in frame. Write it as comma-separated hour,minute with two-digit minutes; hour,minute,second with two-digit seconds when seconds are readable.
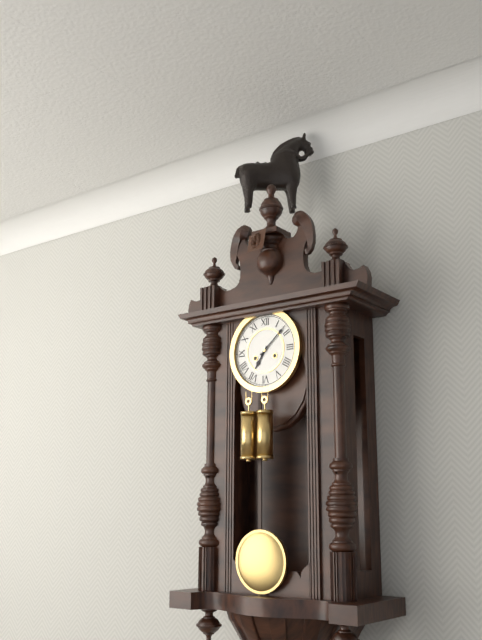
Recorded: 7,08
